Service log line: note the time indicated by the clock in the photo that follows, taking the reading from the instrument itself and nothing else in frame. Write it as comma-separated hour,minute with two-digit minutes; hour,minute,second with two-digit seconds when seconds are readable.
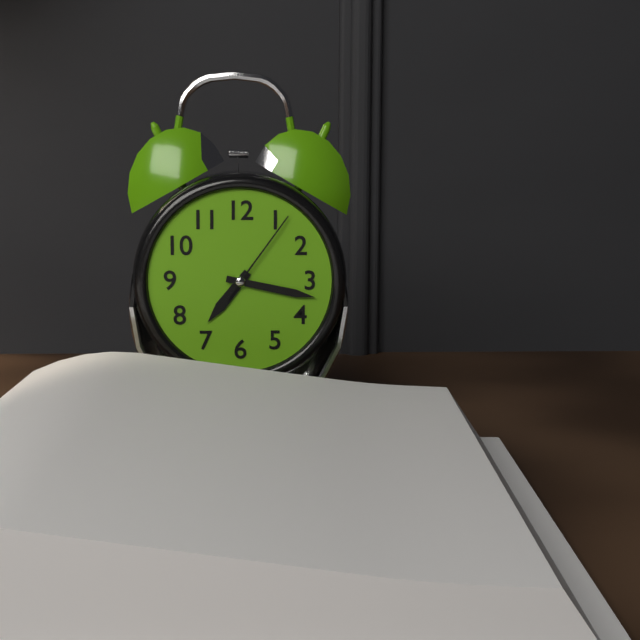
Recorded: 7,17,06
